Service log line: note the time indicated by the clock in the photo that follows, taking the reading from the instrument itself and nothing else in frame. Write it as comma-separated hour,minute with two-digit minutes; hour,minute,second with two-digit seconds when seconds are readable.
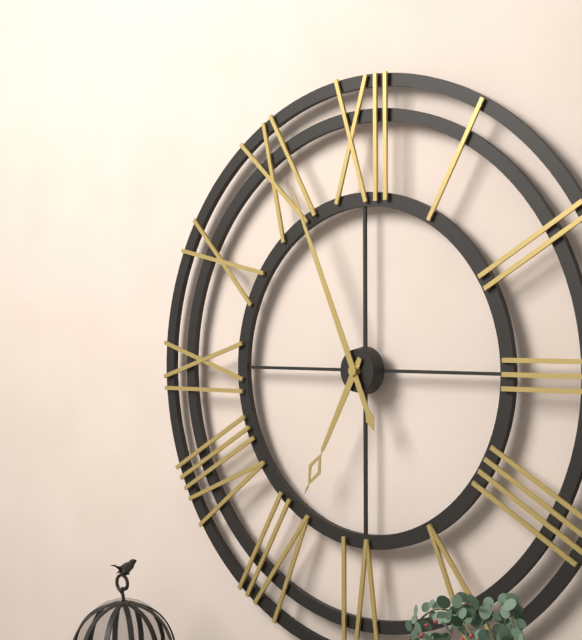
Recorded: 6,56
